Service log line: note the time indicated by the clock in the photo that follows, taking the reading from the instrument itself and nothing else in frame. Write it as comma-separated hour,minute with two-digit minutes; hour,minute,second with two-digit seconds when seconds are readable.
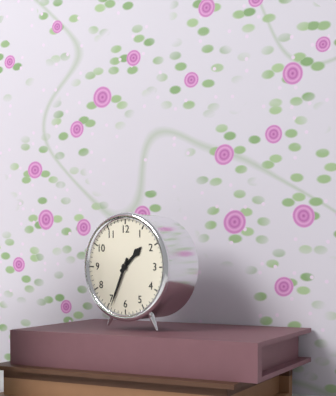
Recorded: 1,34
